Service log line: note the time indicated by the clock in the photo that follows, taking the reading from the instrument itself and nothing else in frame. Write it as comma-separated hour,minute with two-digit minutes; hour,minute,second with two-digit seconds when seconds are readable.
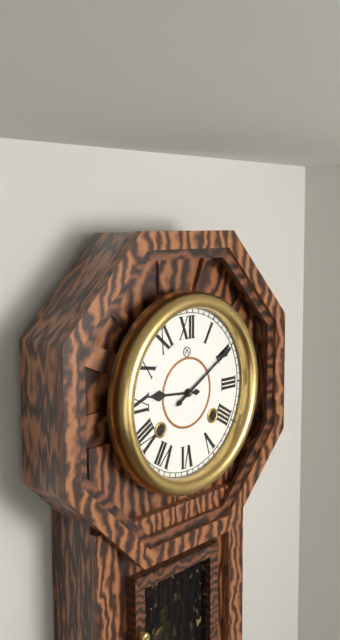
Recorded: 9,10
